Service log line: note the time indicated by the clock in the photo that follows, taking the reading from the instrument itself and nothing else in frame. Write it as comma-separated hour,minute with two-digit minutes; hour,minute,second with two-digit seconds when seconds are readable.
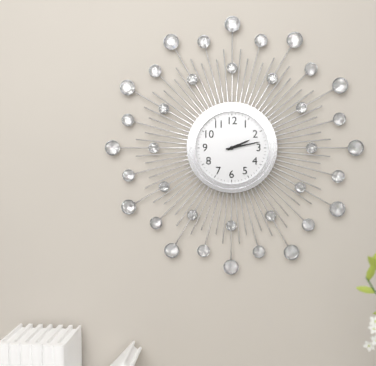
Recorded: 2,13
